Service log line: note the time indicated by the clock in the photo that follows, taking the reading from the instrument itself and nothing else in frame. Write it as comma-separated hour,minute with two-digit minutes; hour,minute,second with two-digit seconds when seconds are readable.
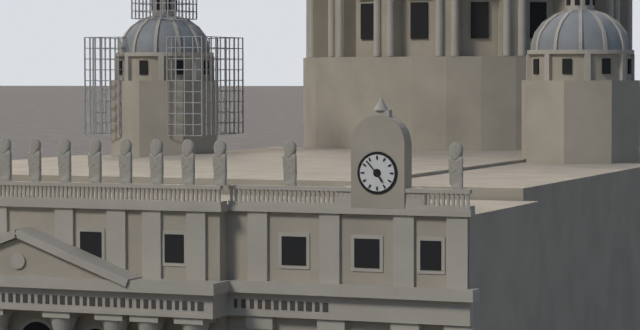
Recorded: 4,53
